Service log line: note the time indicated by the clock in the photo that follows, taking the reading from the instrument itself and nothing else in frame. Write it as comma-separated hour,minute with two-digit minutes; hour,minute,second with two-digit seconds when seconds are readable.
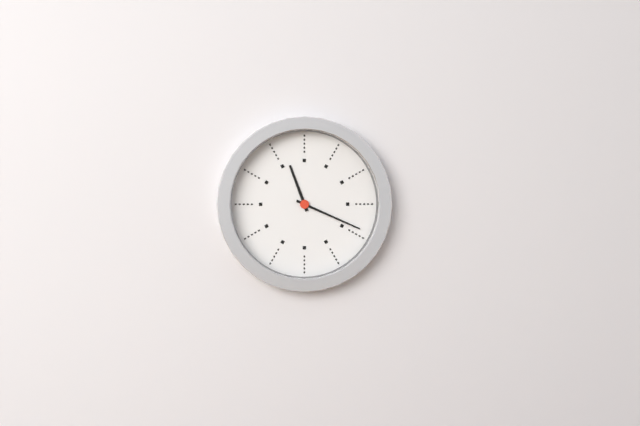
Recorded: 11,19
